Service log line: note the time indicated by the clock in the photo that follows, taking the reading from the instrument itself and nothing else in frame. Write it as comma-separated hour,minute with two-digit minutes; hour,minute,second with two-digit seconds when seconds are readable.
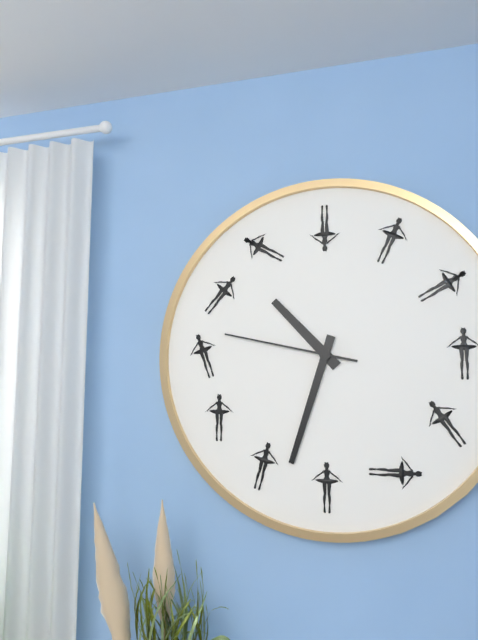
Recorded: 10,33,47
